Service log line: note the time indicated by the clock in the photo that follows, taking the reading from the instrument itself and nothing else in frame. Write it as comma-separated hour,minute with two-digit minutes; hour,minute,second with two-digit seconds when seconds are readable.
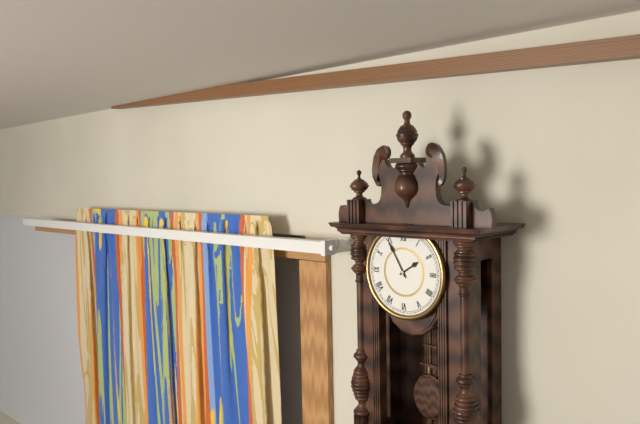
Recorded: 1,55
